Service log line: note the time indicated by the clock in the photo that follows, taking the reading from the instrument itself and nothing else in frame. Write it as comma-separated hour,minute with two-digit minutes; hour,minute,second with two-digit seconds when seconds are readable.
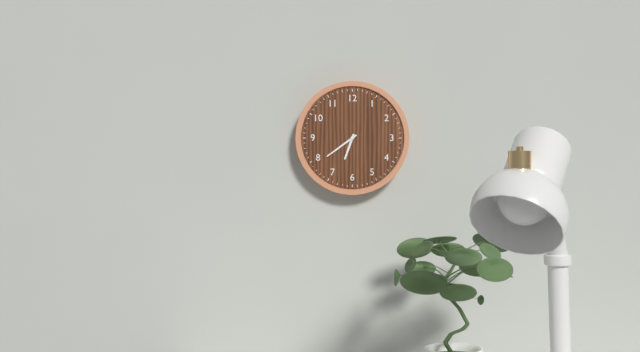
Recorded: 6,39
